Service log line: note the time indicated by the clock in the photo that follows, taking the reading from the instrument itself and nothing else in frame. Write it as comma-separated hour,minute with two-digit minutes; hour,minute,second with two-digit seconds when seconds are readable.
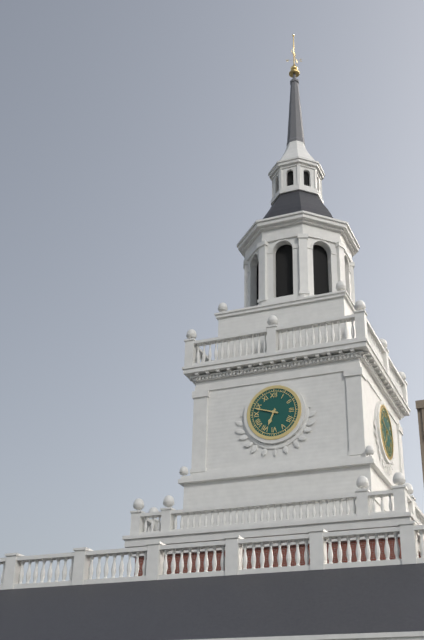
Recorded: 6,48
